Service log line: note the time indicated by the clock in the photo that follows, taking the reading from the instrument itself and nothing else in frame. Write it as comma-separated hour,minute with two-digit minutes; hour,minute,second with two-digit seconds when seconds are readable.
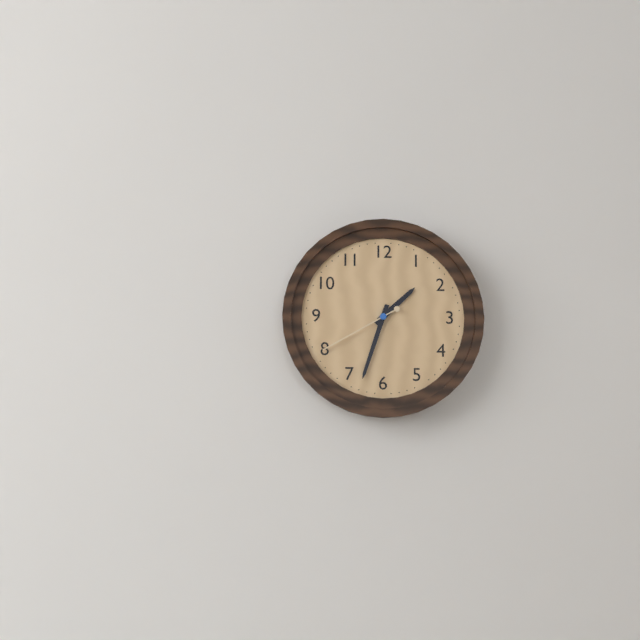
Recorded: 1,33,40
